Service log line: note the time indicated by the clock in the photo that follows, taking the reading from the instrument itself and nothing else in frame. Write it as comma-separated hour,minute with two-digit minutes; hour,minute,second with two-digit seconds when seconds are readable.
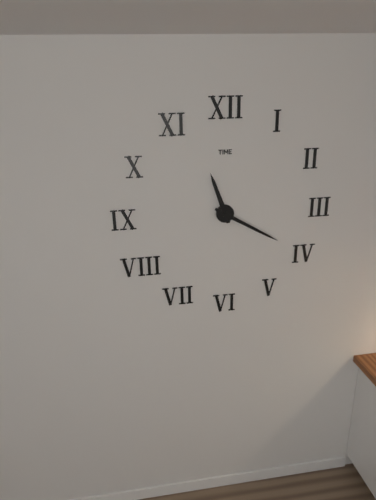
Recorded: 11,20
